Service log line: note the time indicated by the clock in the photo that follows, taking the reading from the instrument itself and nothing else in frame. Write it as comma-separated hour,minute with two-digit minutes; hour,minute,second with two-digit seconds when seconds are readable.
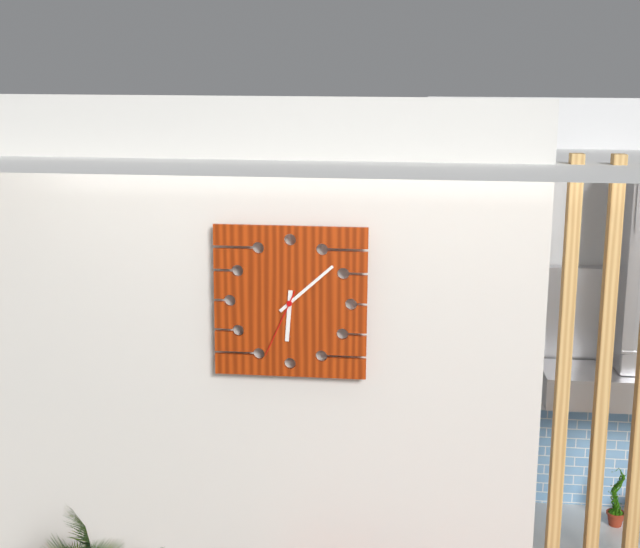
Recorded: 6,08,34
